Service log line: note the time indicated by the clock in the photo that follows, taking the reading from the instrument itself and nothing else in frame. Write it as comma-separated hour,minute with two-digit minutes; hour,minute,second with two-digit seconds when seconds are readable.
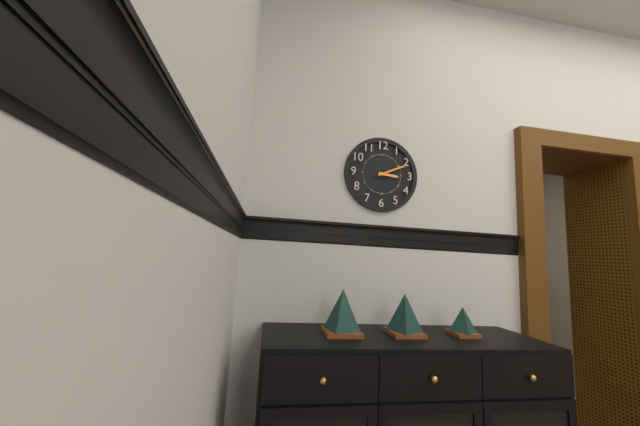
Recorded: 3,11
